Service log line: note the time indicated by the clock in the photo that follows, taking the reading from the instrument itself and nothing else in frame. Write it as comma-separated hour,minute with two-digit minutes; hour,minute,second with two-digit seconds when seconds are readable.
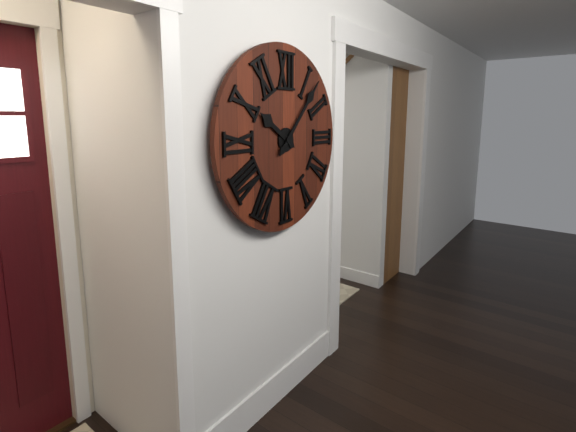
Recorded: 10,07
